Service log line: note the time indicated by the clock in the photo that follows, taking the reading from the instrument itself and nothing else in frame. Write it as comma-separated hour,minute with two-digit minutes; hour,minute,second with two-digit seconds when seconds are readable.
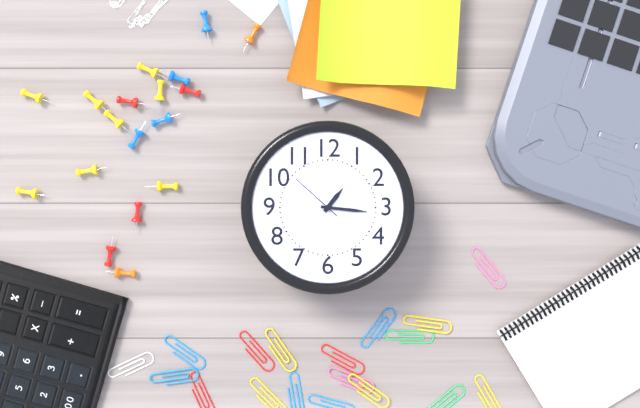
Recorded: 1,16,52
